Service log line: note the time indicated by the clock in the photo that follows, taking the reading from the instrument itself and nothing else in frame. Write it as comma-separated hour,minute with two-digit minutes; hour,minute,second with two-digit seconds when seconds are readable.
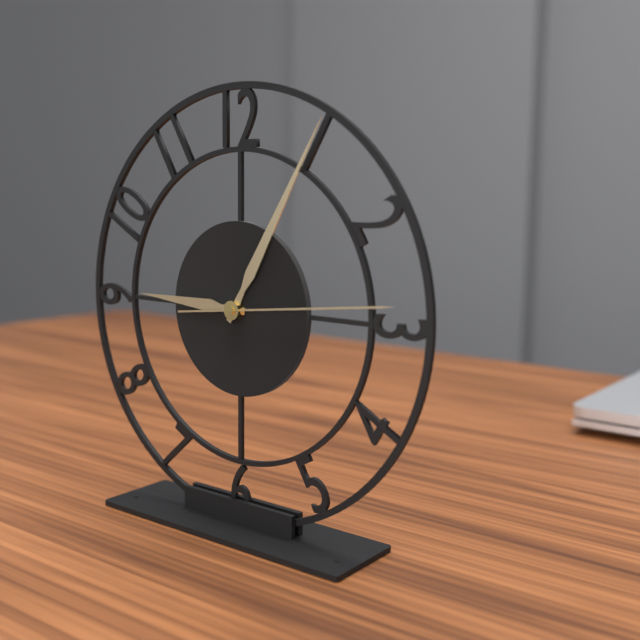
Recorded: 9,05,14
